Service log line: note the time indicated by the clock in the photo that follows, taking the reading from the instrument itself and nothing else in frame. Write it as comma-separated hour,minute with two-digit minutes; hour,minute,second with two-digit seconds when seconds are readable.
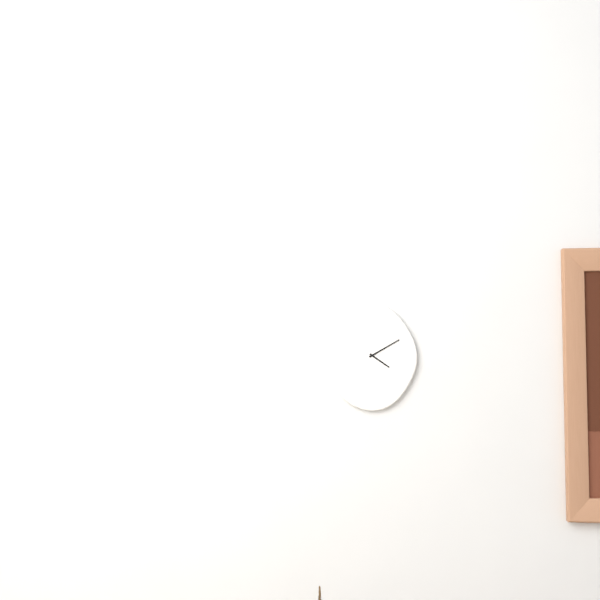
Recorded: 4,10
